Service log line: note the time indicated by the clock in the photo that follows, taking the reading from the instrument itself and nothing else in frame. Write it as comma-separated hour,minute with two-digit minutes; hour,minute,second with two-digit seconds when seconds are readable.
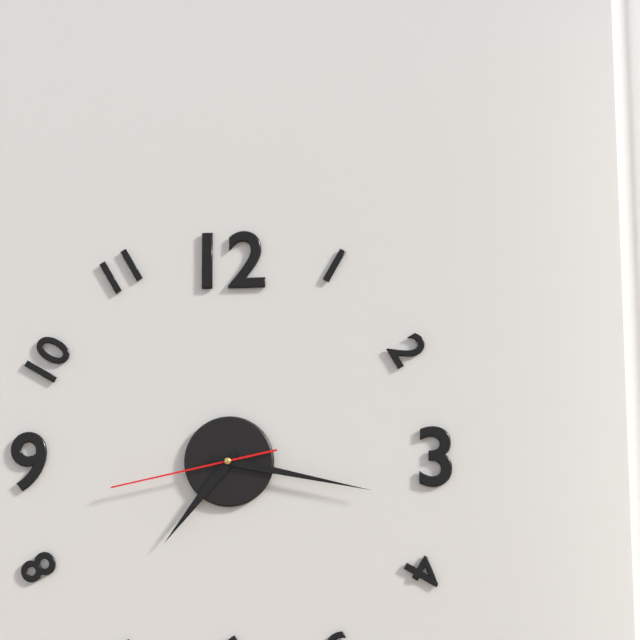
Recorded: 7,17,43
